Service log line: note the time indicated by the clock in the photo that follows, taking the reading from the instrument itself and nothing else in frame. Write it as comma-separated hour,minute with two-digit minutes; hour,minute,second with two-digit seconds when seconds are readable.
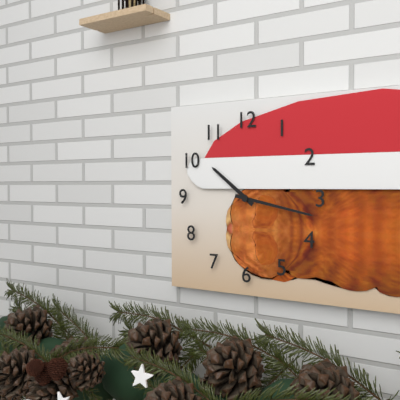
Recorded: 10,17
